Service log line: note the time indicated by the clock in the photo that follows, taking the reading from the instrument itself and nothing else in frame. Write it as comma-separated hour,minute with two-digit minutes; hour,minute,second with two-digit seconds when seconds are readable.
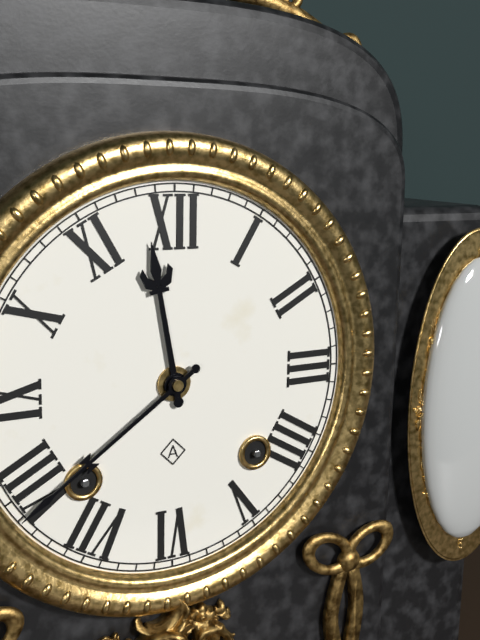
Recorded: 11,39
